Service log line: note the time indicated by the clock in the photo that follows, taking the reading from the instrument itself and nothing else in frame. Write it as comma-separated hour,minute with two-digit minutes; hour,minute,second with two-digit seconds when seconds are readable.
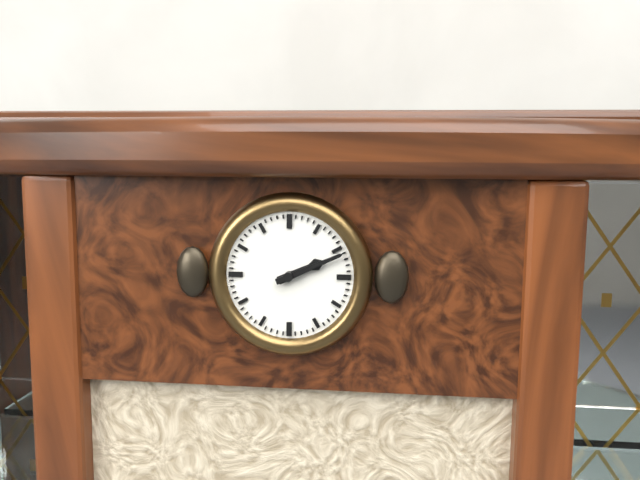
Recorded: 2,11
